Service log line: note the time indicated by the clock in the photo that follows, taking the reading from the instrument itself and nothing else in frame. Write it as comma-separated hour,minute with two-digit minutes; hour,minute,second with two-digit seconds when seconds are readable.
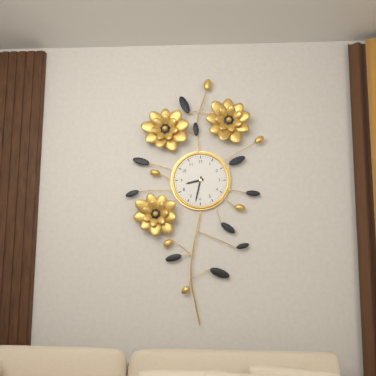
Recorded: 8,32
